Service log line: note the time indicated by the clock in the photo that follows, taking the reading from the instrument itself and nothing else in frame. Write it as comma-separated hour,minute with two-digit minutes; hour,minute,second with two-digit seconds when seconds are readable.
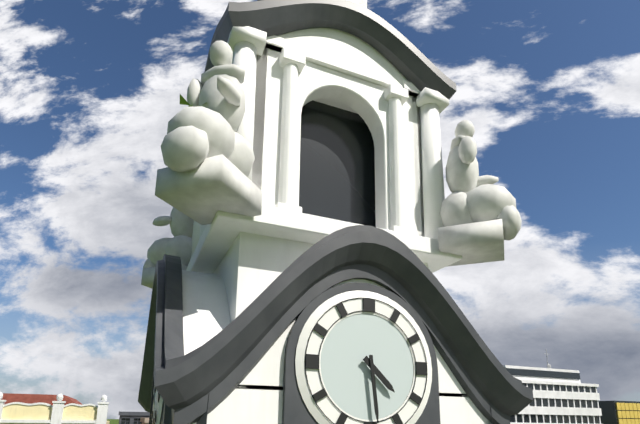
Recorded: 4,29
